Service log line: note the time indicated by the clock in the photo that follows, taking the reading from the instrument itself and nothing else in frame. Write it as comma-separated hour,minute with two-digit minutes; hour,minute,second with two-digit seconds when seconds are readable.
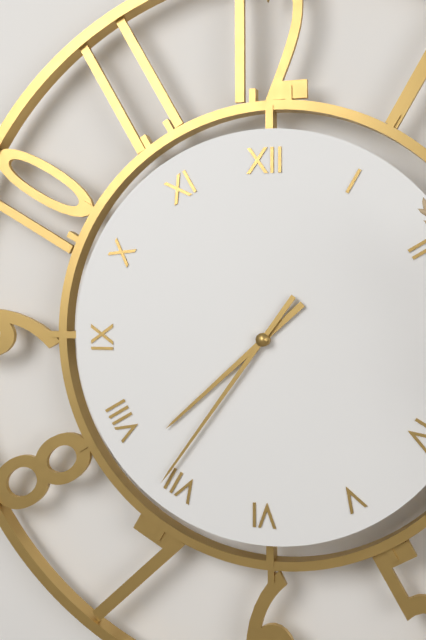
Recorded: 7,36
